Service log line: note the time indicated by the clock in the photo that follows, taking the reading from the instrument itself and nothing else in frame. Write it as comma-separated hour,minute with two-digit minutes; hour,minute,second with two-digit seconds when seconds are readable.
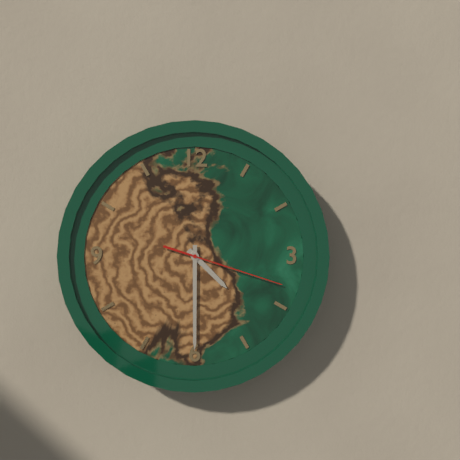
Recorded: 4,30,18
